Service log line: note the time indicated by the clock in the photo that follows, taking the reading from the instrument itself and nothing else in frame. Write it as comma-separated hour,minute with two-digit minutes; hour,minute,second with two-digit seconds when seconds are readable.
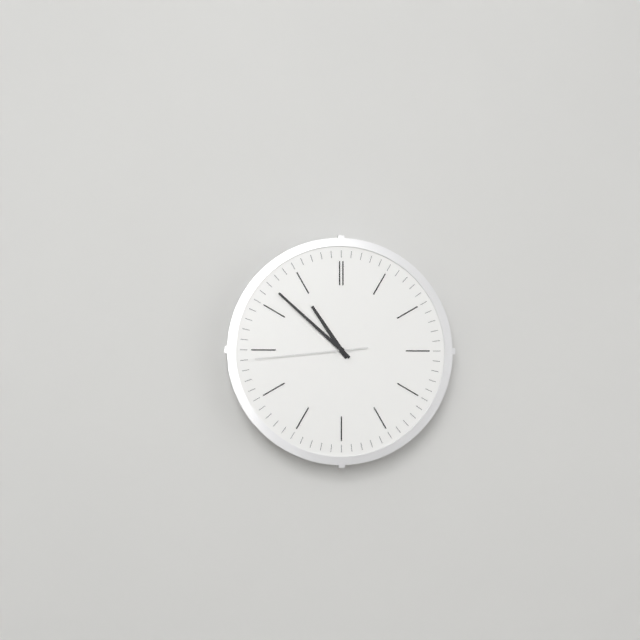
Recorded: 10,52,44
